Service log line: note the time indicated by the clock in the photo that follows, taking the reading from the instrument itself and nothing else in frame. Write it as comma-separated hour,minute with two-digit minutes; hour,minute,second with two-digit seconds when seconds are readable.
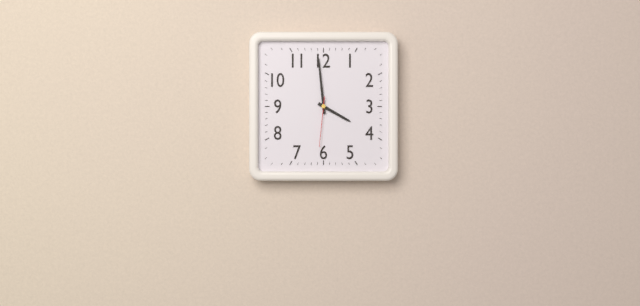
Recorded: 3,59,31
